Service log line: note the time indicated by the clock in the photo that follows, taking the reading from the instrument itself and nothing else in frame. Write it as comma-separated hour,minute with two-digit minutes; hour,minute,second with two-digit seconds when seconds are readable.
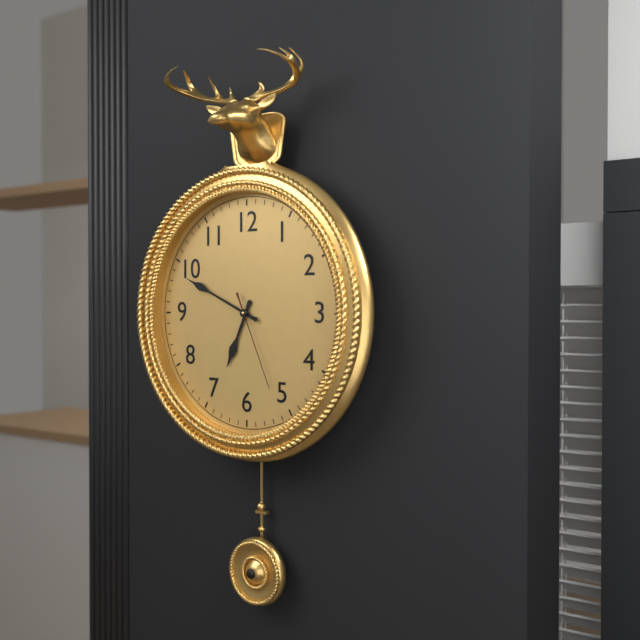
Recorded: 6,49,26
